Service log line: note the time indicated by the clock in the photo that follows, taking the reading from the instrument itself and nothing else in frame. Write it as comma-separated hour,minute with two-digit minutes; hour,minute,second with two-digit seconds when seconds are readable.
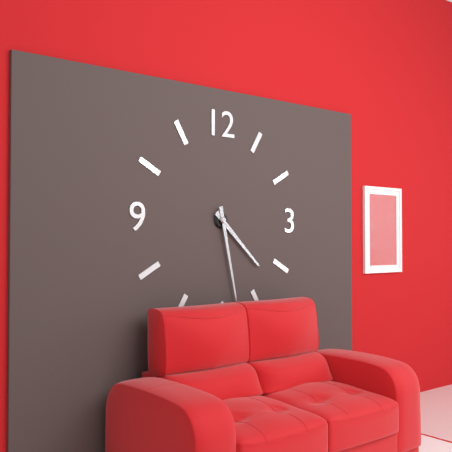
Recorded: 4,28
